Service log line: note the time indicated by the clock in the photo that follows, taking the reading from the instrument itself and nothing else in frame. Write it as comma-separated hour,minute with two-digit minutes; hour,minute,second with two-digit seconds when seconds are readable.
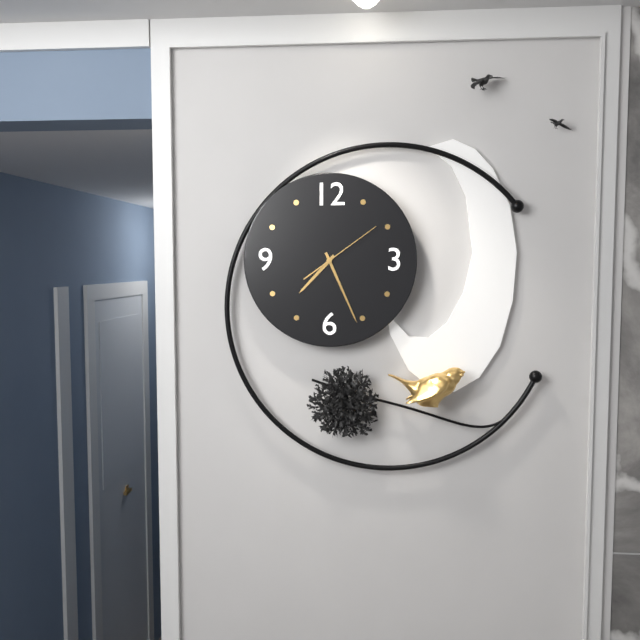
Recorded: 7,26,09
